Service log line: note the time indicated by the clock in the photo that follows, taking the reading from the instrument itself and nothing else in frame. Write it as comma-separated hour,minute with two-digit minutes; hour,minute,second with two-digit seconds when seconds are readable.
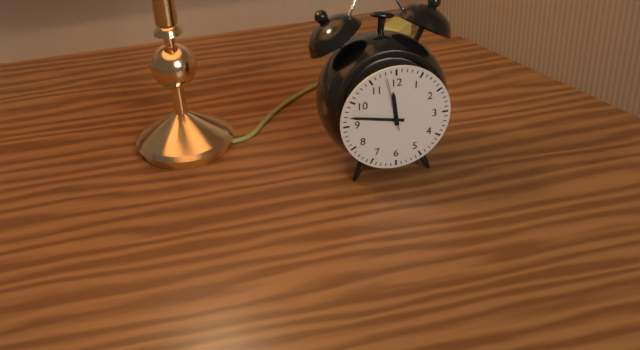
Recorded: 11,47,58
